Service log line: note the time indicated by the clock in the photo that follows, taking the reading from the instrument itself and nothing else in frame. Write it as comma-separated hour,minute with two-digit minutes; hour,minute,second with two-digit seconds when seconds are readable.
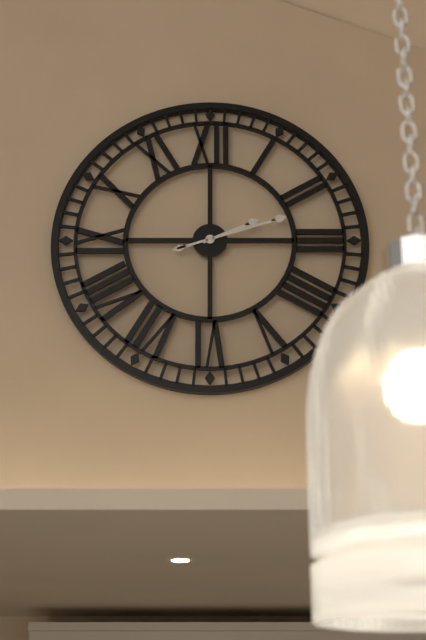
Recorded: 2,12
